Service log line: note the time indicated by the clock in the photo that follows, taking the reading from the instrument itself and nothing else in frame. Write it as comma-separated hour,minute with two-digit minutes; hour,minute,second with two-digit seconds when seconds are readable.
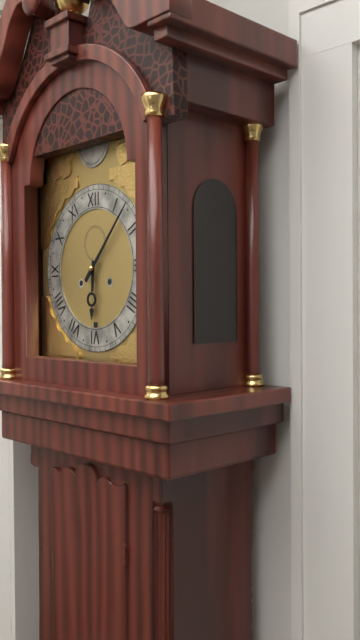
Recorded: 6,07
